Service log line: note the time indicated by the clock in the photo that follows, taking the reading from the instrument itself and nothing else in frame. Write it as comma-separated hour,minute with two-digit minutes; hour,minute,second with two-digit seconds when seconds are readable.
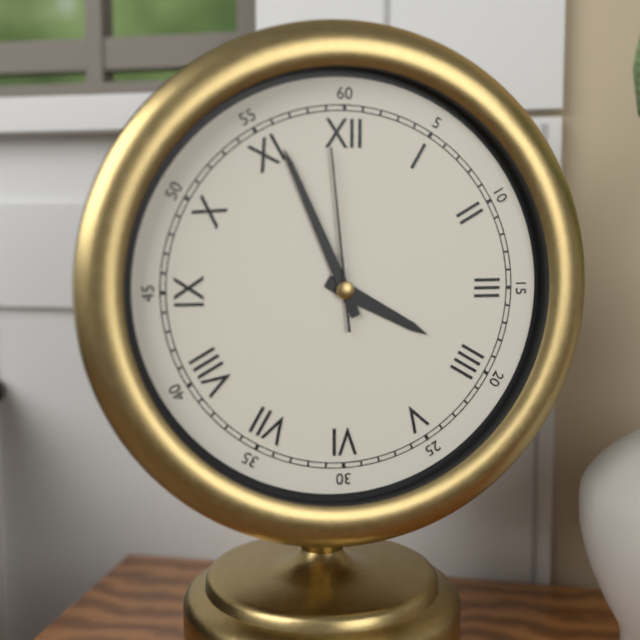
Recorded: 3,56,59
